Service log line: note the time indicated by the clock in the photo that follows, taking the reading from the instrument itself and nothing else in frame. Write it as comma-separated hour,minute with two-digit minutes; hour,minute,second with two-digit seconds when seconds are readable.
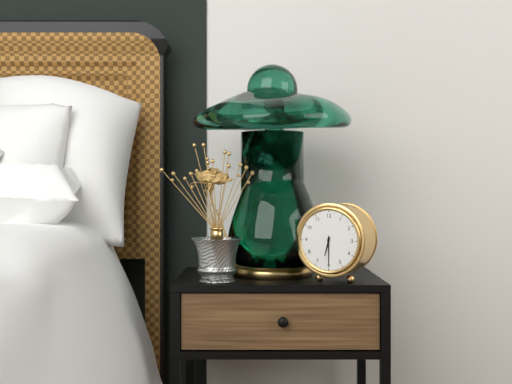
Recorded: 6,30
